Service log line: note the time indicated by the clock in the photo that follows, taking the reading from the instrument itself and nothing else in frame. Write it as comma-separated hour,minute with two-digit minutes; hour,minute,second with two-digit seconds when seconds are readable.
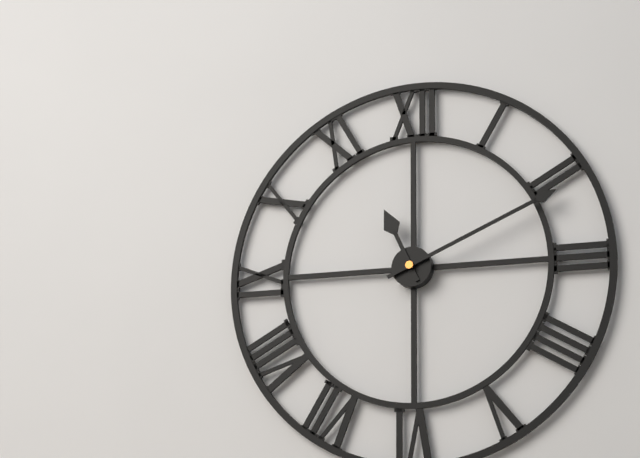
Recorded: 11,11
